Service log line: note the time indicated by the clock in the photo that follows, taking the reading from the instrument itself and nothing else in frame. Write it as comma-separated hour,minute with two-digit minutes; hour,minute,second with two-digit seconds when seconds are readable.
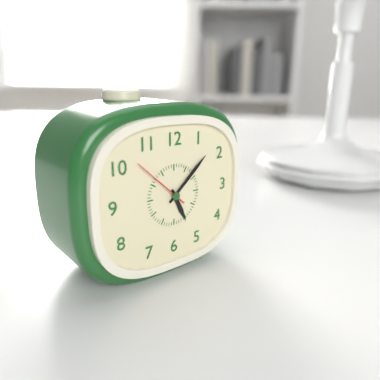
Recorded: 5,08,52
